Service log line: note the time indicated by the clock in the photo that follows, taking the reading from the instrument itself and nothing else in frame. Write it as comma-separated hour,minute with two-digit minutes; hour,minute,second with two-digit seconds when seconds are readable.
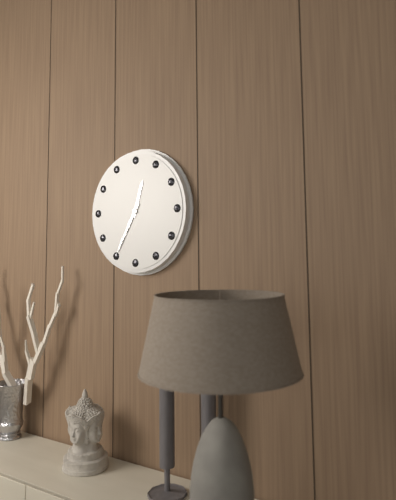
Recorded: 12,35
